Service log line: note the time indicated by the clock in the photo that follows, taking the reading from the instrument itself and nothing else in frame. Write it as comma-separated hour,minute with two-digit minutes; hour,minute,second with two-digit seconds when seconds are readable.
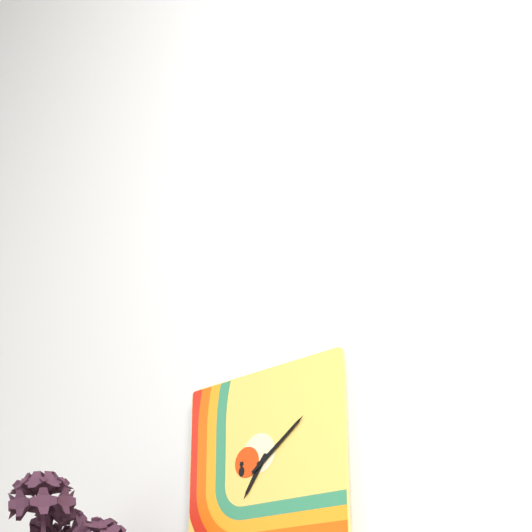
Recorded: 7,09
